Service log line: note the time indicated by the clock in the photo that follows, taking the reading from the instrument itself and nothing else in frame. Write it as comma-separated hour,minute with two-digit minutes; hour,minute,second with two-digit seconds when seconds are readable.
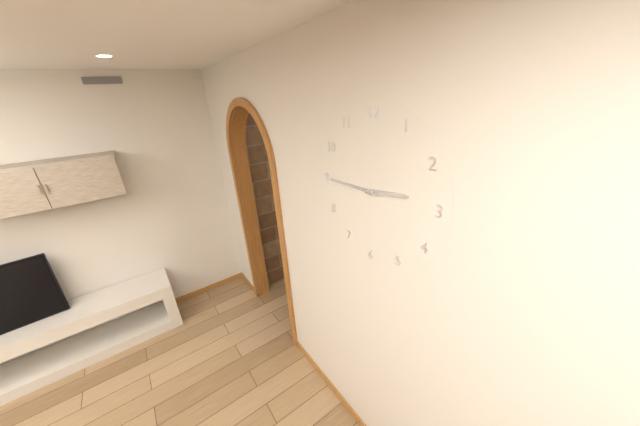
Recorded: 2,45
